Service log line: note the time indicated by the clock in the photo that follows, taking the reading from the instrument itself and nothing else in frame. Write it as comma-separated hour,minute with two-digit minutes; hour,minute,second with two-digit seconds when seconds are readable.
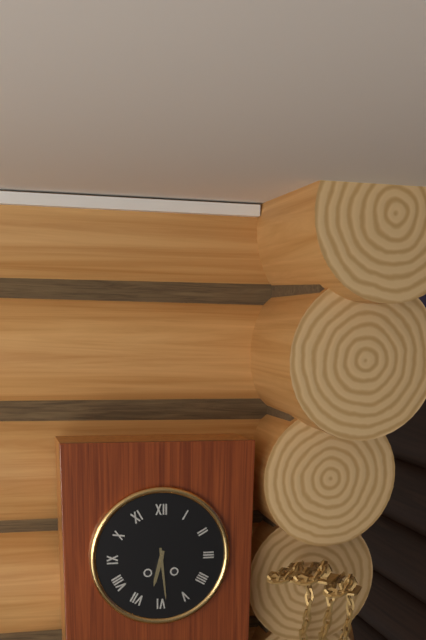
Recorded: 6,29
